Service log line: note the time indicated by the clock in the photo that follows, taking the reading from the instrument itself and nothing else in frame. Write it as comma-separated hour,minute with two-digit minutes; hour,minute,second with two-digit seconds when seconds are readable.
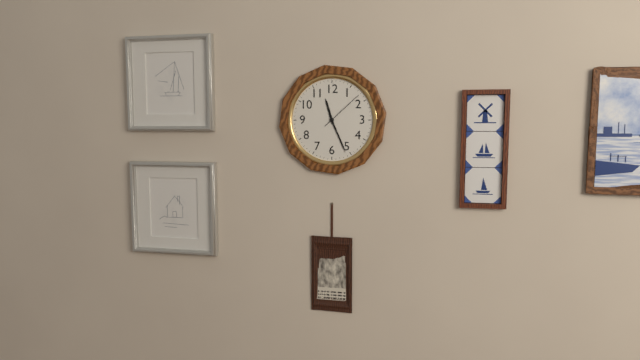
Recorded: 11,26
